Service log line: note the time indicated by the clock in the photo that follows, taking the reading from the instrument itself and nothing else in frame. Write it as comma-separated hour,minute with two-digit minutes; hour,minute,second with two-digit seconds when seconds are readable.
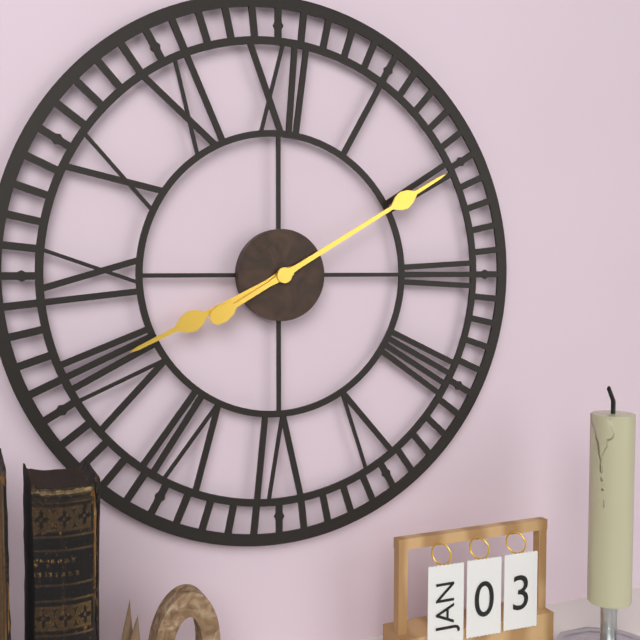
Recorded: 8,10
